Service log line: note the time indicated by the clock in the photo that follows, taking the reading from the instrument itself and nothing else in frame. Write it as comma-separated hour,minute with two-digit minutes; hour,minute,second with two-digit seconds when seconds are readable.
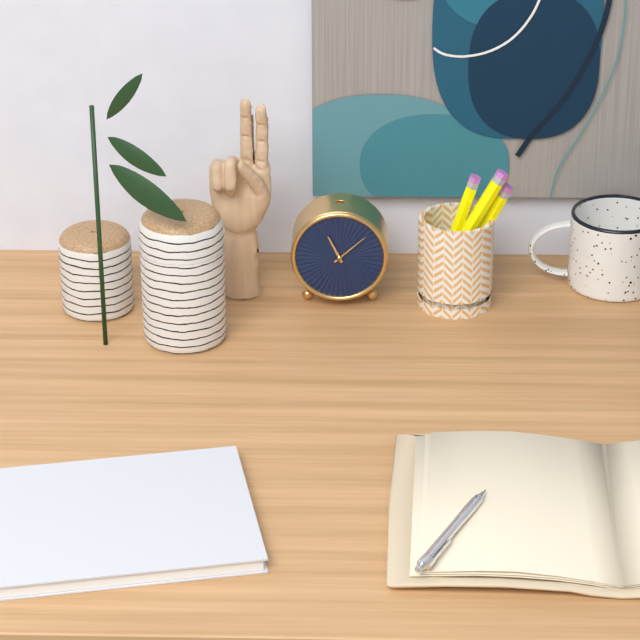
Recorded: 11,08
